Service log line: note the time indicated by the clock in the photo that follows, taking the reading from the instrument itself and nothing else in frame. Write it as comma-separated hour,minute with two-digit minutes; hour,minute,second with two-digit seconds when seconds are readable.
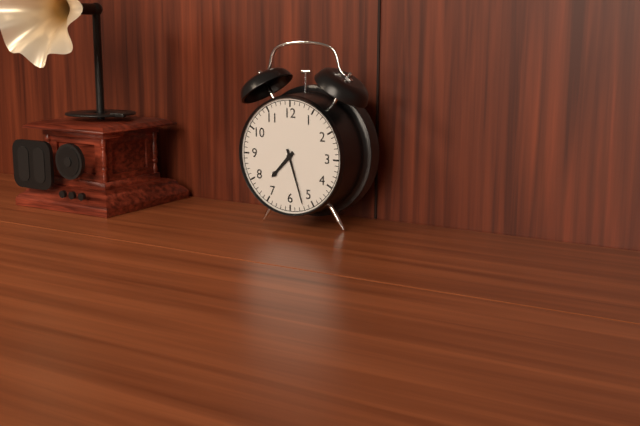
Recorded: 7,27
